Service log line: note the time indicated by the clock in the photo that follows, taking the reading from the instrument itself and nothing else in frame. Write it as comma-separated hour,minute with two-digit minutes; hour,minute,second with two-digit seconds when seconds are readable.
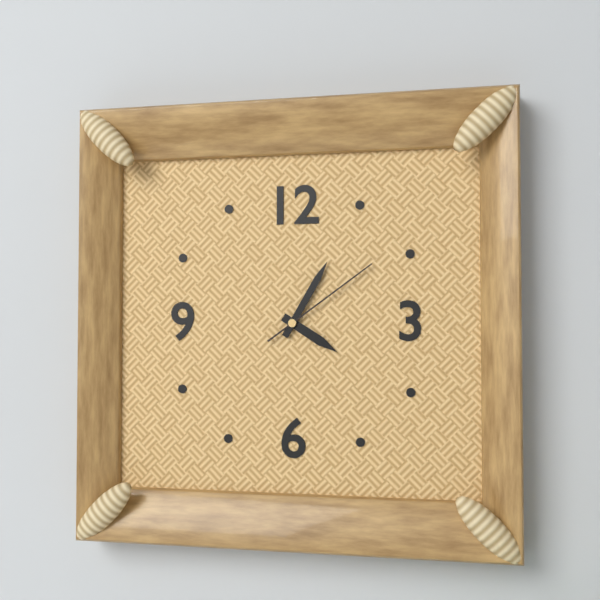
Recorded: 4,05,09
